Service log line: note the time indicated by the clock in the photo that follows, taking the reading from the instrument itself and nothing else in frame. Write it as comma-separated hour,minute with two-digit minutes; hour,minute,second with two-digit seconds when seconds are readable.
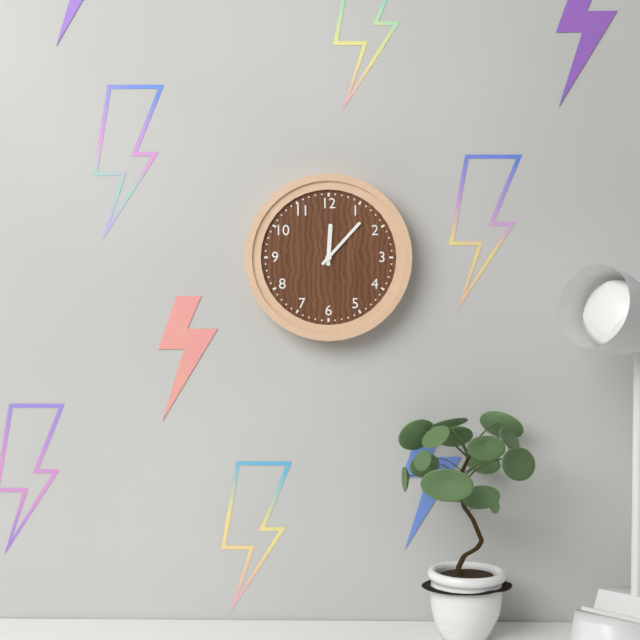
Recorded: 12,07
